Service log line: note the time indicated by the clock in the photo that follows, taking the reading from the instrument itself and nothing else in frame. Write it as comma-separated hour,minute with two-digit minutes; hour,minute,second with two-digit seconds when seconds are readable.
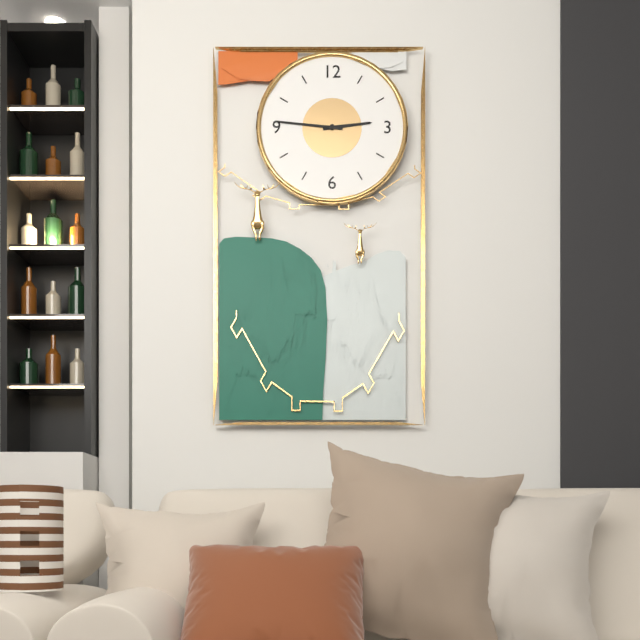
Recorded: 2,46
